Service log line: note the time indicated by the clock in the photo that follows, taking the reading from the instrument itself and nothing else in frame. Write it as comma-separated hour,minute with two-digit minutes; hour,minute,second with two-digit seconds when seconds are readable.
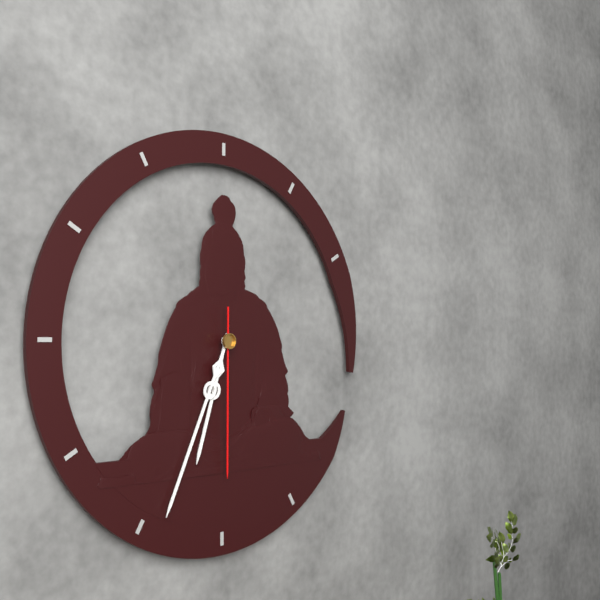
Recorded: 6,34,30
